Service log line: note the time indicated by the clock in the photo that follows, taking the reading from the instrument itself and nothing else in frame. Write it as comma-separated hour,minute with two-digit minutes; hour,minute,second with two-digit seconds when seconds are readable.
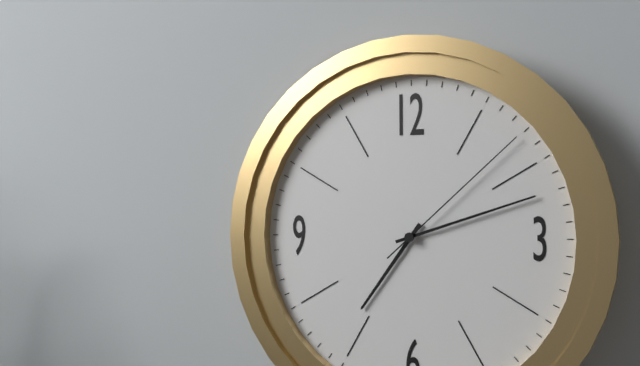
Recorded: 7,12,08
